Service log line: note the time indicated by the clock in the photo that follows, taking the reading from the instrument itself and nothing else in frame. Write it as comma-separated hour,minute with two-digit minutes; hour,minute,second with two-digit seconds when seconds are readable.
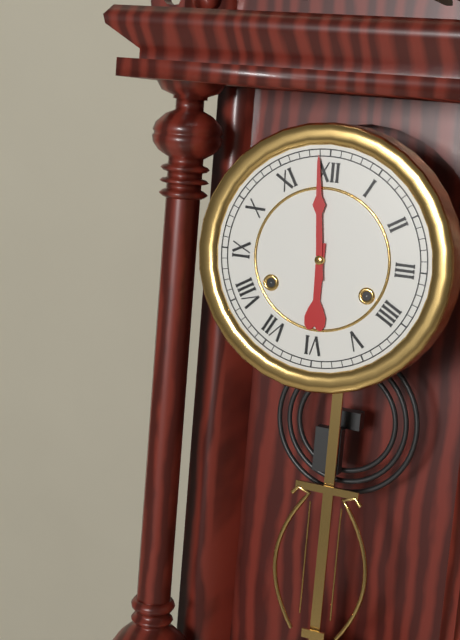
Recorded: 5,59
